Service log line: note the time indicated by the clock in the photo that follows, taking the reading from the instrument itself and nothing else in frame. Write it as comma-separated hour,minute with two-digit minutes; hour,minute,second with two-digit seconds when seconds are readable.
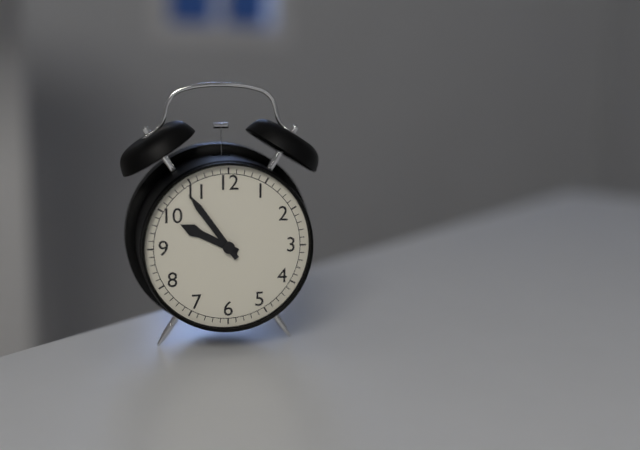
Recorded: 9,54
